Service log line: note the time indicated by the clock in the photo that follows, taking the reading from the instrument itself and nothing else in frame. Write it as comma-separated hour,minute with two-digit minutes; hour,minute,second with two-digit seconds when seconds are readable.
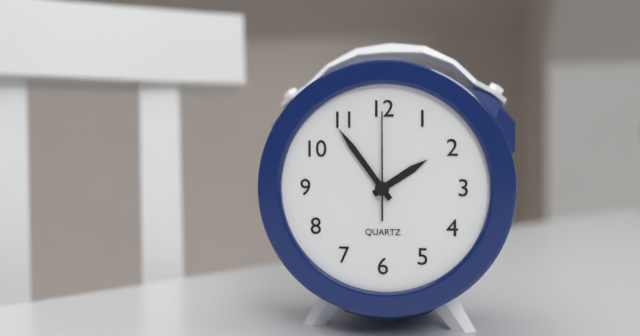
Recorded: 1,54,00
